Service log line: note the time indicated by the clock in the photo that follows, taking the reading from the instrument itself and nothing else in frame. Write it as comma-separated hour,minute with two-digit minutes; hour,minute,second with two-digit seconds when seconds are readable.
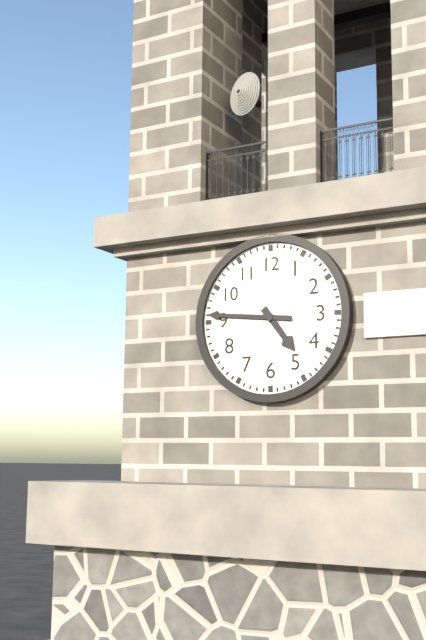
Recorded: 4,46
